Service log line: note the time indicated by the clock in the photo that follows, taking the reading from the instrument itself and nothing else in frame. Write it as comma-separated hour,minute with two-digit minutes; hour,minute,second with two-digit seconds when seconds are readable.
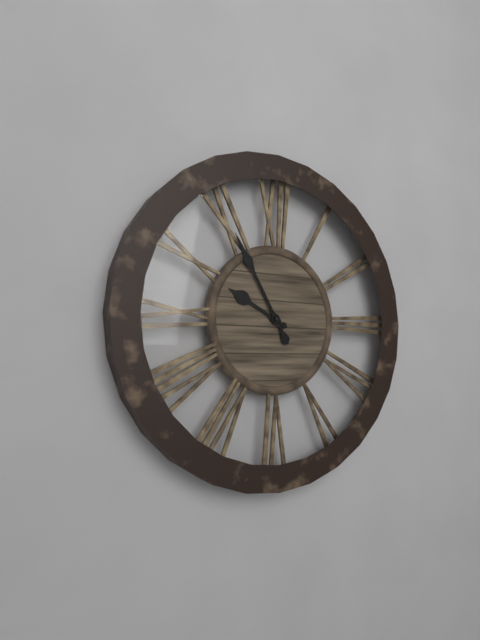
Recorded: 9,55
